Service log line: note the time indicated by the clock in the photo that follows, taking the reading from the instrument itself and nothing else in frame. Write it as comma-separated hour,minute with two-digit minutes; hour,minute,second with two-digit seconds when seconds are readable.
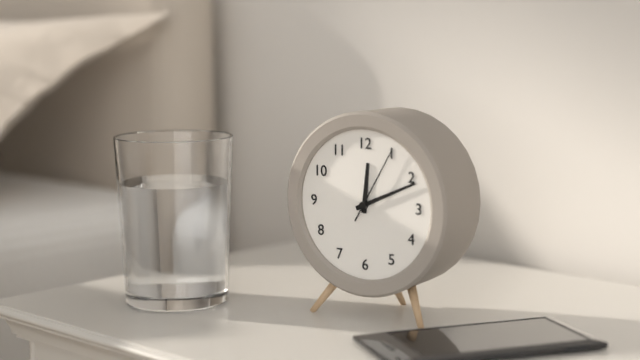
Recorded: 12,11,05
